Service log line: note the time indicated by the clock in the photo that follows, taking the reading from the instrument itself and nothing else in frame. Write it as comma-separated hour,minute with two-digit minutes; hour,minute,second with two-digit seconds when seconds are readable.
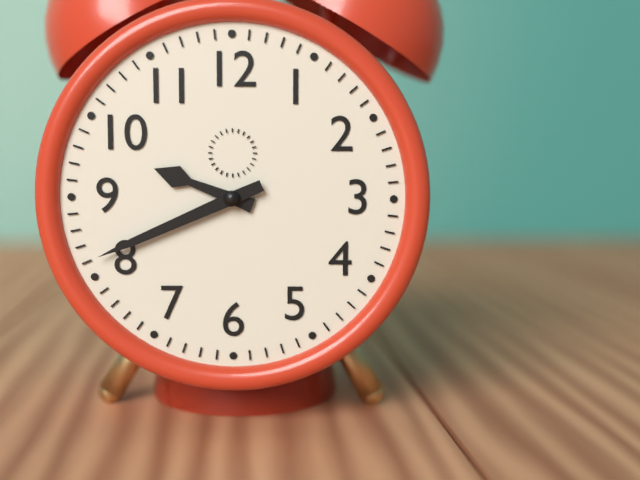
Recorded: 9,41
